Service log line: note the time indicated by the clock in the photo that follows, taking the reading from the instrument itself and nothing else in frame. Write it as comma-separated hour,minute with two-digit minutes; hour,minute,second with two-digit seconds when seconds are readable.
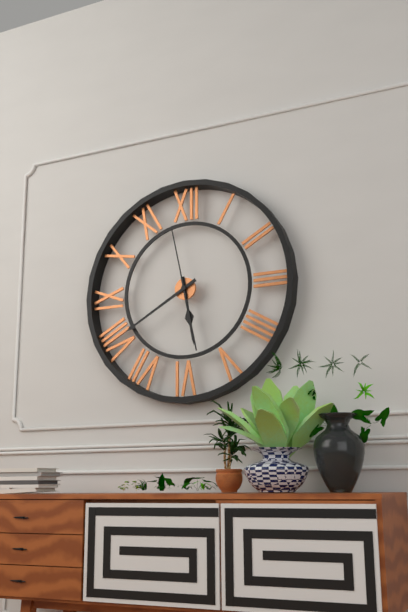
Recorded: 5,40,58
